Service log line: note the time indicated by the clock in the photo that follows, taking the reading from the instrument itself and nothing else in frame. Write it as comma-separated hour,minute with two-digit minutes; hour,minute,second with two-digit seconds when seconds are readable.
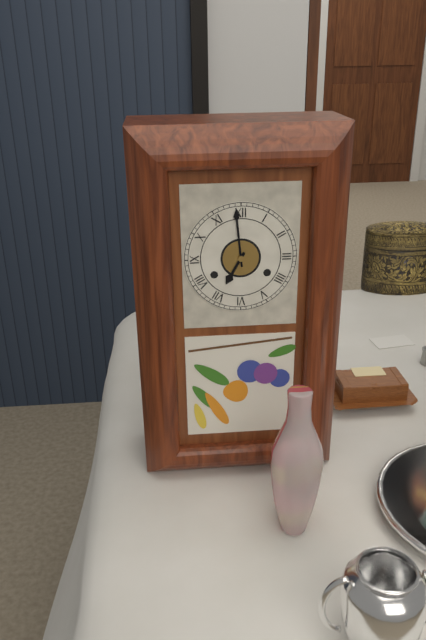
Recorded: 6,59
